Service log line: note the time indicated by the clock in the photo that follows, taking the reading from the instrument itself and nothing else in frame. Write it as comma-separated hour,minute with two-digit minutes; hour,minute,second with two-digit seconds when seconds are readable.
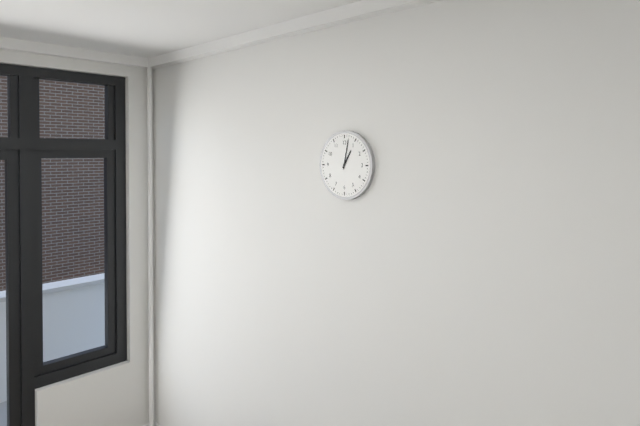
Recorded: 1,02
